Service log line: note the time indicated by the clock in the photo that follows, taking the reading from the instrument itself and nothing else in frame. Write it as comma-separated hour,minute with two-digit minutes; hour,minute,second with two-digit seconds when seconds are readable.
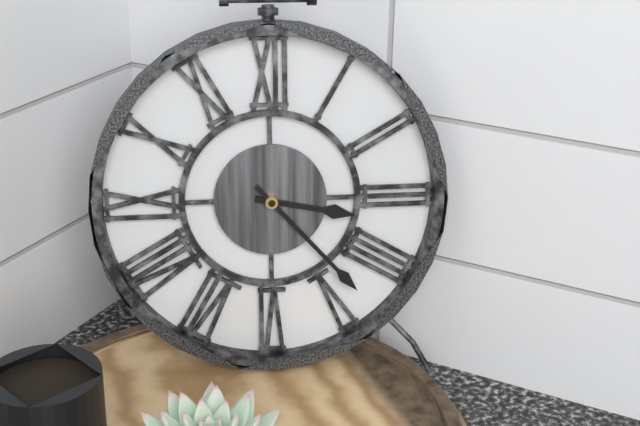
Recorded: 3,23
